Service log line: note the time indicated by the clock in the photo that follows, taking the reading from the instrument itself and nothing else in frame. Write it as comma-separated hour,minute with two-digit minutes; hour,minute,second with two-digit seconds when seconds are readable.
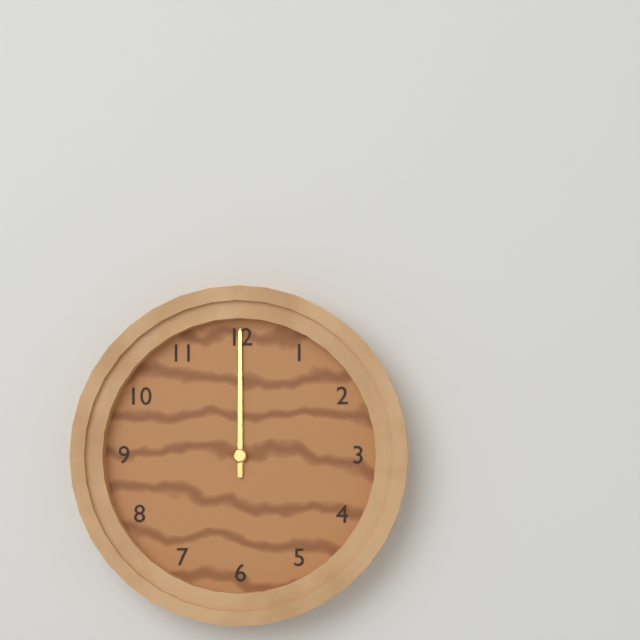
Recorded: 12,00
